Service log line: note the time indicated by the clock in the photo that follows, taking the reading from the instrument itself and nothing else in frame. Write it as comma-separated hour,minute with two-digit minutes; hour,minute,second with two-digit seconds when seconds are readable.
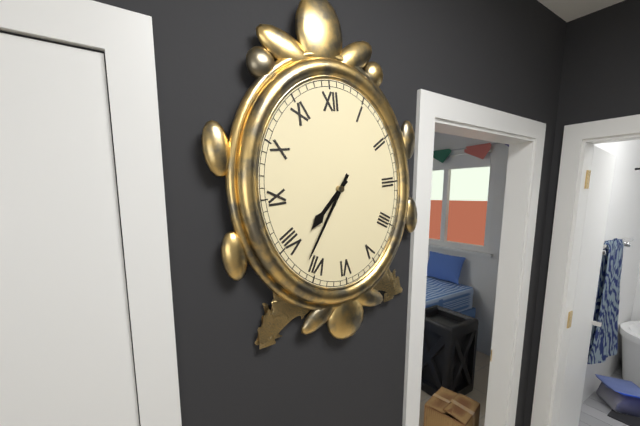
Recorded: 7,36
